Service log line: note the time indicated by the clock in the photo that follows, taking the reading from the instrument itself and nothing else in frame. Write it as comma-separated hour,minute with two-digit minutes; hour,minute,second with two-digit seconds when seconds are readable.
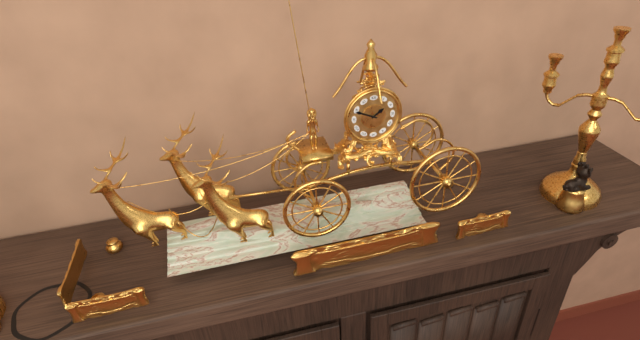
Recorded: 1,49
